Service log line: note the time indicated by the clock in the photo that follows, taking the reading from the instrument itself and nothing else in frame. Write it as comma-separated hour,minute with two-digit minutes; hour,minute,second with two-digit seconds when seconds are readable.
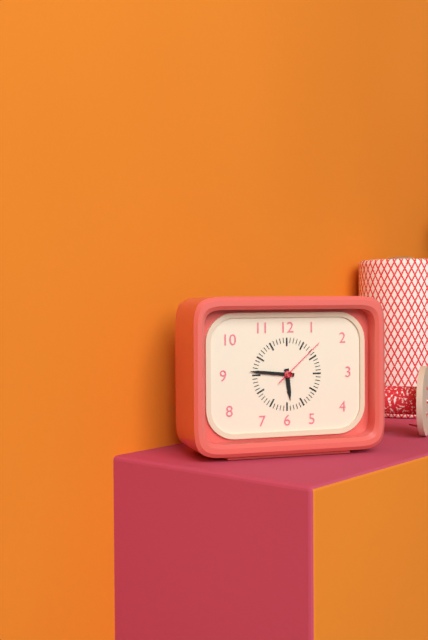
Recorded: 5,46,08
